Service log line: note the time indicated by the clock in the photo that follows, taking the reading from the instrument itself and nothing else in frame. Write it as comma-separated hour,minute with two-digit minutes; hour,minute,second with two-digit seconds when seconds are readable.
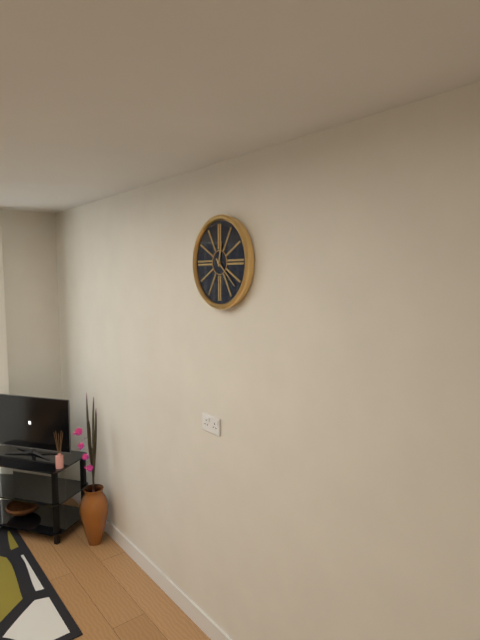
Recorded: 12,22
